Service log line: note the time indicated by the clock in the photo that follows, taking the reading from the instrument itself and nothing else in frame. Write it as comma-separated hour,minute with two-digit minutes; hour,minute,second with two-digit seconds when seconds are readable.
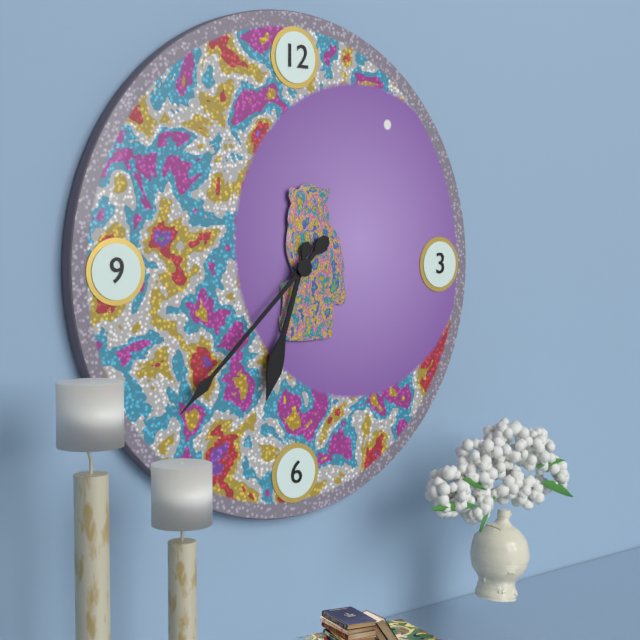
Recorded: 6,38
